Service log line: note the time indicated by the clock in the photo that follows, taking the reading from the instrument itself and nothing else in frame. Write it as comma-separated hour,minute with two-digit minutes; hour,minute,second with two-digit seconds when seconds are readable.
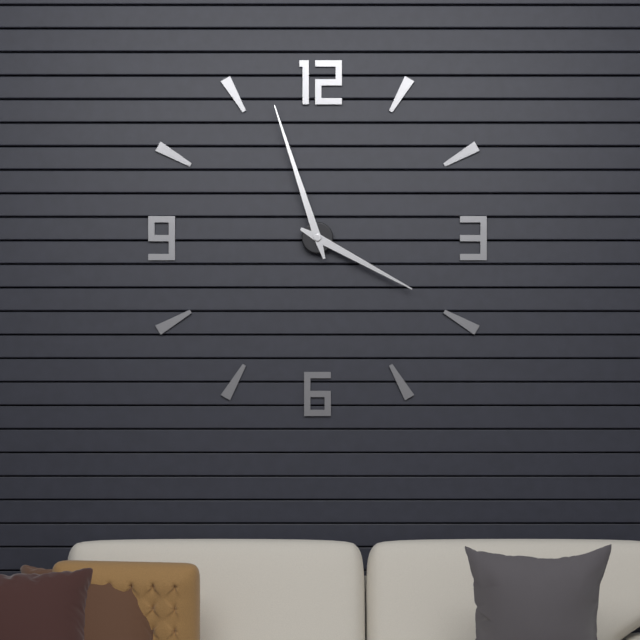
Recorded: 3,57
